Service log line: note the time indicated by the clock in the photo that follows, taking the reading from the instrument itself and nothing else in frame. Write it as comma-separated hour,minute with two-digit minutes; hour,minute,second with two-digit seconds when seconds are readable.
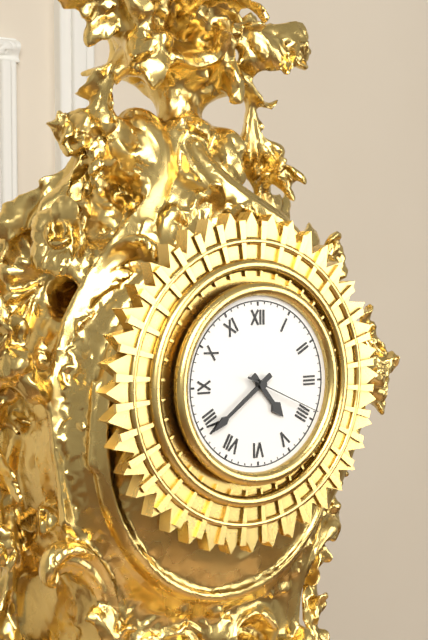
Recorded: 4,39,19
